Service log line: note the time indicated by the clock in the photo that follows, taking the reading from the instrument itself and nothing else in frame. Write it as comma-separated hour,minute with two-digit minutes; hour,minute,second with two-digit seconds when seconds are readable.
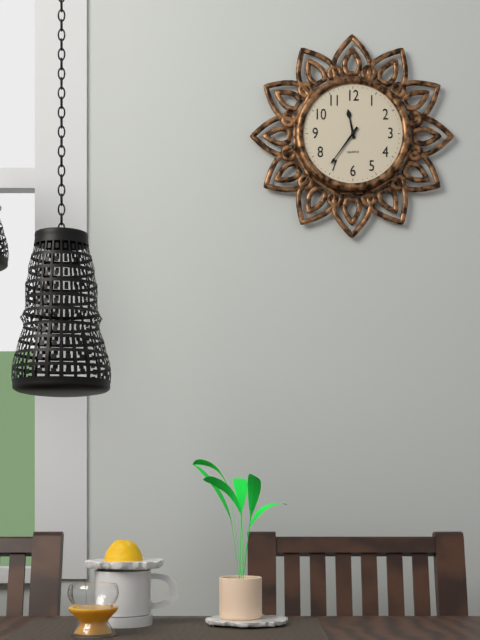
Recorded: 11,36
